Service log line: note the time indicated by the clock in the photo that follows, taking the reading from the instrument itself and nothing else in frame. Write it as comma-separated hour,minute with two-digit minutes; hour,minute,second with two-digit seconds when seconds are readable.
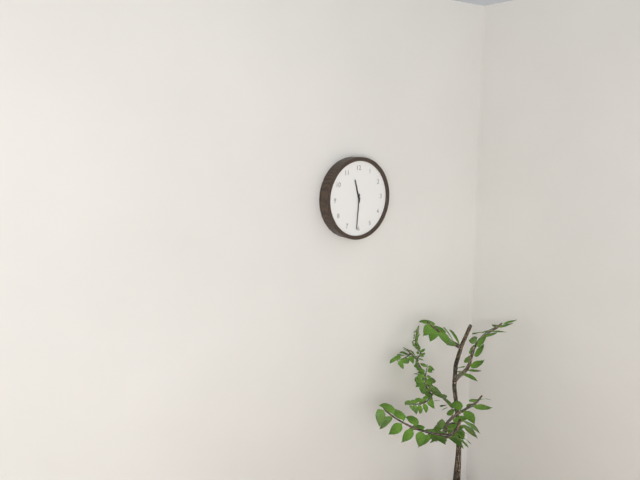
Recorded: 11,31
